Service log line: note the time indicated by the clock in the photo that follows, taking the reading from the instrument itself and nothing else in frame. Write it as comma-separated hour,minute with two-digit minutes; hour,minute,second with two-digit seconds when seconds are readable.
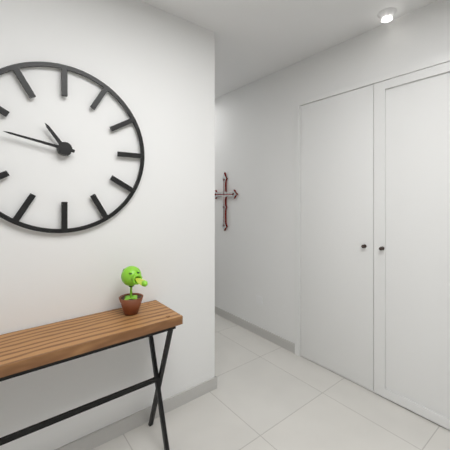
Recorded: 10,47
